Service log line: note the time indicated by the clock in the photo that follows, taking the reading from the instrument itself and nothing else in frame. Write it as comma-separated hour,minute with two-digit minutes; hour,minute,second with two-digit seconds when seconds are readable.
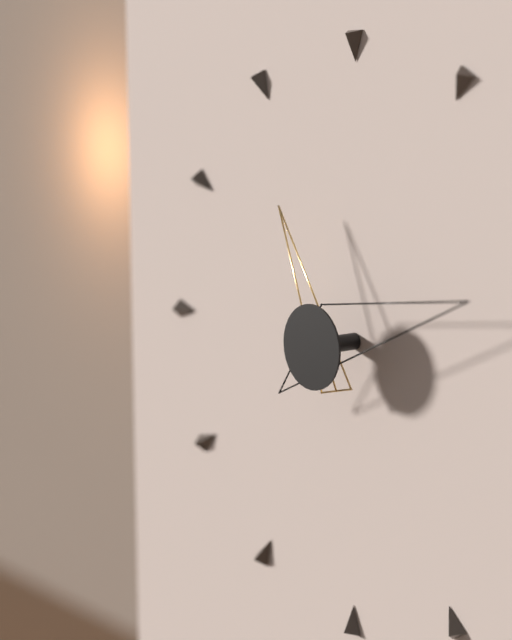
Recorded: 11,12
